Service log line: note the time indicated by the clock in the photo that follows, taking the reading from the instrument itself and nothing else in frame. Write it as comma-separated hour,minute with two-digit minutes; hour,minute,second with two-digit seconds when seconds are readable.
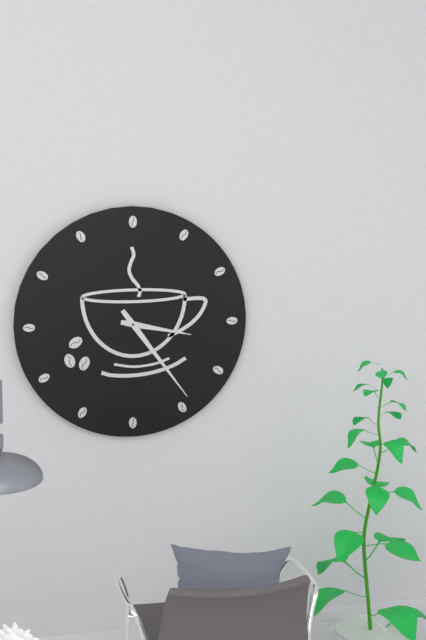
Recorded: 3,24
